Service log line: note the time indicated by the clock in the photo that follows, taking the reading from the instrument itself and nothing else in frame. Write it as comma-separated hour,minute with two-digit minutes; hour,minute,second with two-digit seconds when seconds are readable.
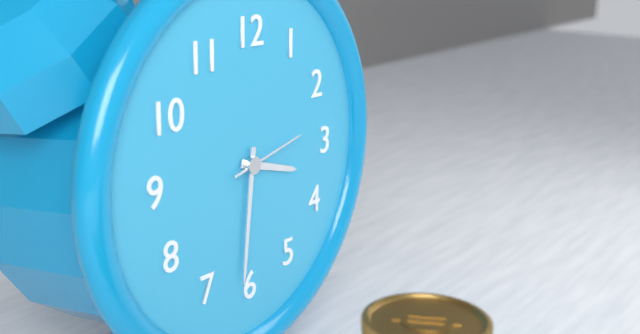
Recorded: 3,31,13
